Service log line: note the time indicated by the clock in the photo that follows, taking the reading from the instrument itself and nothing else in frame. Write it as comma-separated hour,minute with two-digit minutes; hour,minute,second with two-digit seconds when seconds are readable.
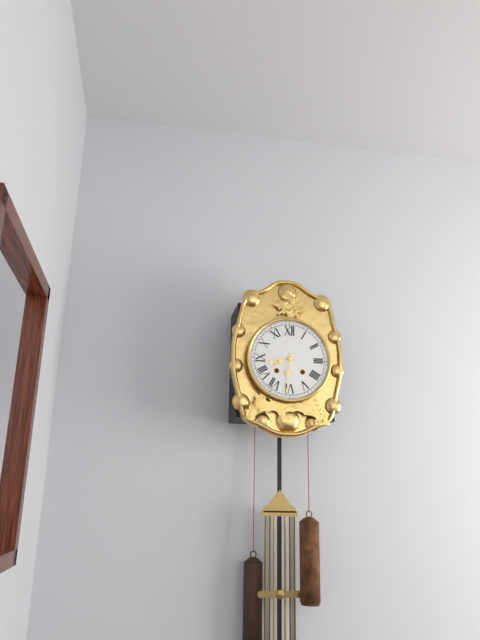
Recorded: 8,31
